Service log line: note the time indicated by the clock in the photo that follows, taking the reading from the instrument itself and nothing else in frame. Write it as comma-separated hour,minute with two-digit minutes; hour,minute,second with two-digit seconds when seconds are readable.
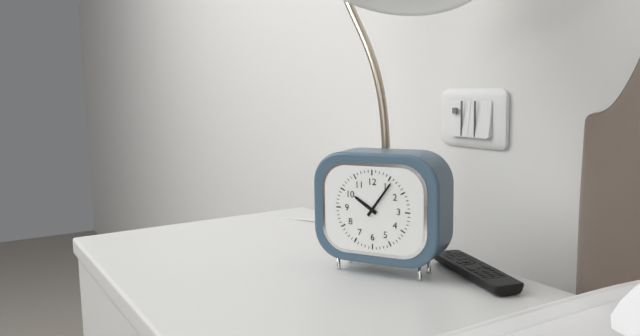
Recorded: 10,06
